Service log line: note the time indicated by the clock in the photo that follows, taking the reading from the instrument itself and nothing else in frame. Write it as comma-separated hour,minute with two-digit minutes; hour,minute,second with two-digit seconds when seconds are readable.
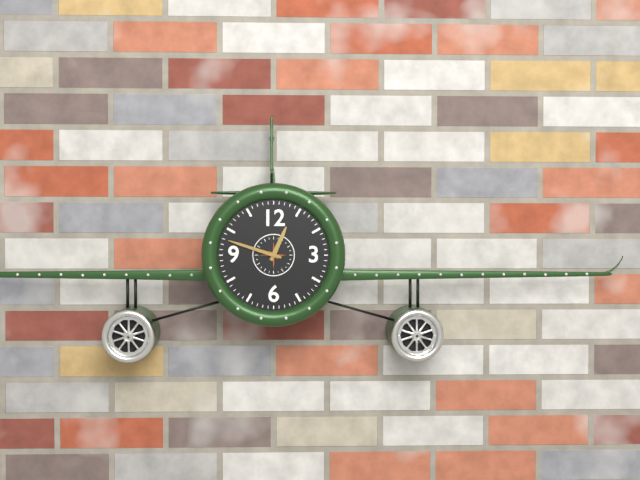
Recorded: 12,48
